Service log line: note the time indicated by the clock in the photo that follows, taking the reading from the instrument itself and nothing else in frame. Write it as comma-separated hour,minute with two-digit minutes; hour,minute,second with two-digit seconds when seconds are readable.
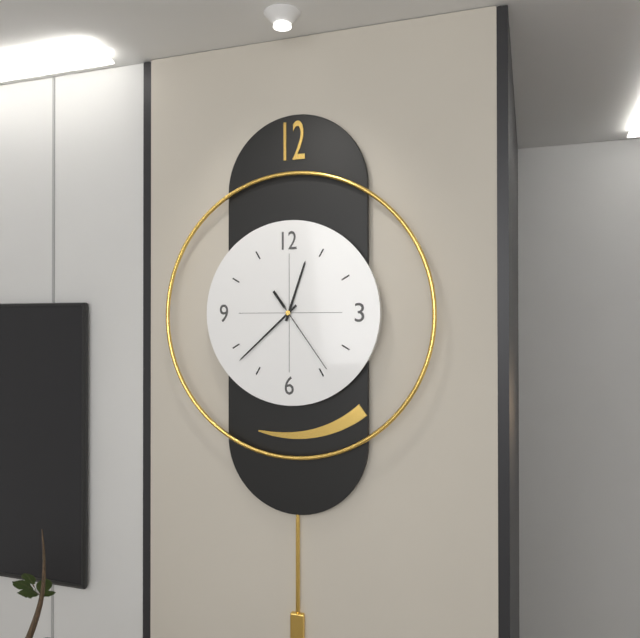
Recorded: 12,38,24
